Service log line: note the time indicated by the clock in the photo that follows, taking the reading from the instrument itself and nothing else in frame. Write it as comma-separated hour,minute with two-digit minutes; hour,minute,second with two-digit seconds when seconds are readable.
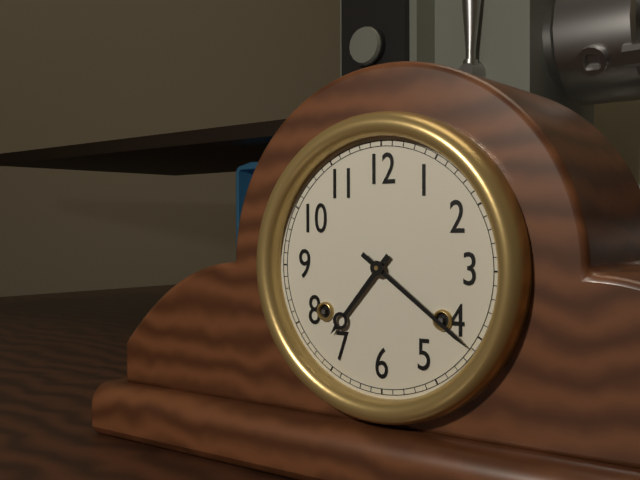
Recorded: 7,21
